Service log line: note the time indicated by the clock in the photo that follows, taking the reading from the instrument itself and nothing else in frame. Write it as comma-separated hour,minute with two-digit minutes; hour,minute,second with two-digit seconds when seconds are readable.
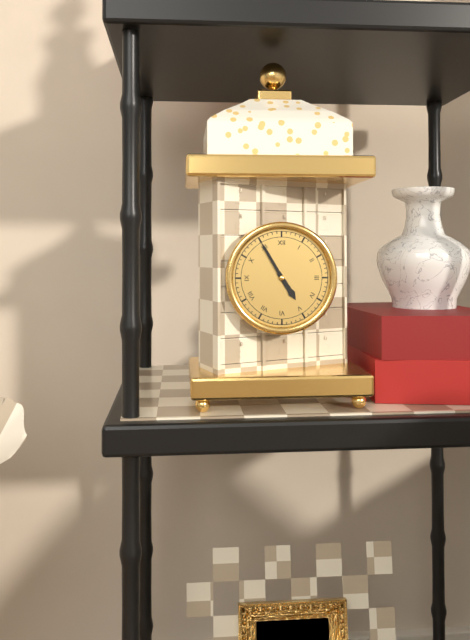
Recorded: 4,55
